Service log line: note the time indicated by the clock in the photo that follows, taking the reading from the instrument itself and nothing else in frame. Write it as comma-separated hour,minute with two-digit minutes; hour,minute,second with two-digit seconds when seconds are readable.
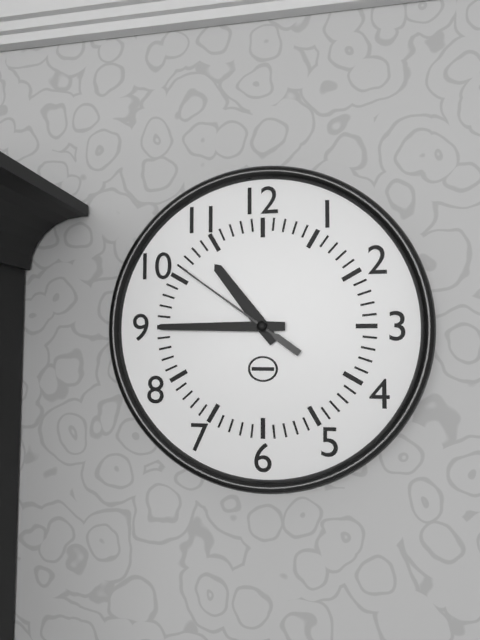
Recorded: 10,45,51
